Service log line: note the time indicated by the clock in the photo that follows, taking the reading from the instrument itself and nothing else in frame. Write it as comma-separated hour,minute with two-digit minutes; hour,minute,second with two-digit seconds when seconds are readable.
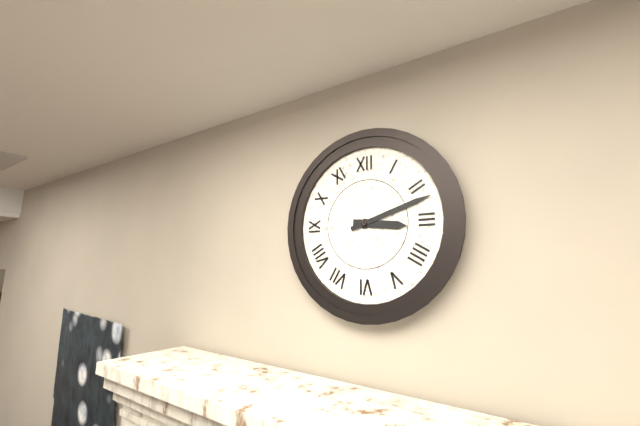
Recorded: 3,12
